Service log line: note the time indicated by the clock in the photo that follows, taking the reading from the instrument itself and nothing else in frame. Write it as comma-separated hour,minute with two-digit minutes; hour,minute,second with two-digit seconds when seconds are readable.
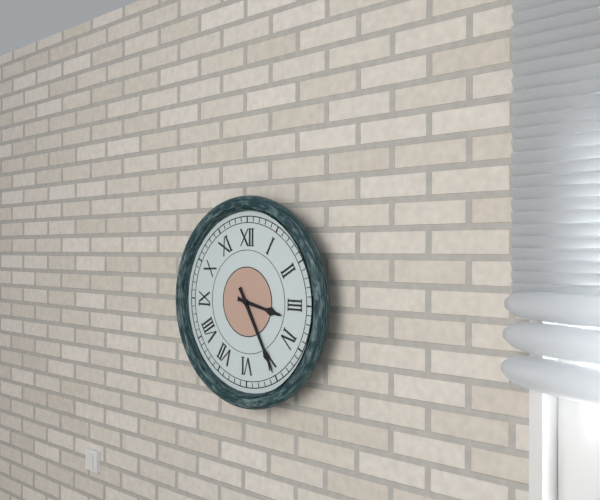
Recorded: 3,25
